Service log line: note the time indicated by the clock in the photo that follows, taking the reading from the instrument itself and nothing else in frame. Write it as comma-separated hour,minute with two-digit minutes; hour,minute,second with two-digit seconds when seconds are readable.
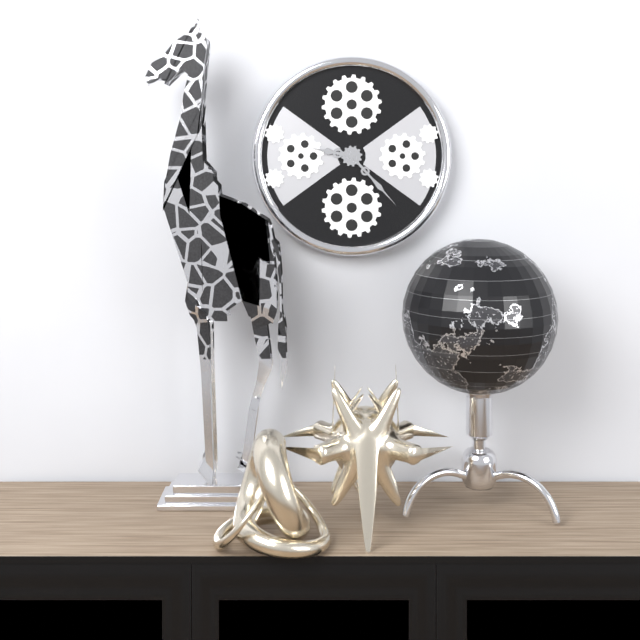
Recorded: 9,23
